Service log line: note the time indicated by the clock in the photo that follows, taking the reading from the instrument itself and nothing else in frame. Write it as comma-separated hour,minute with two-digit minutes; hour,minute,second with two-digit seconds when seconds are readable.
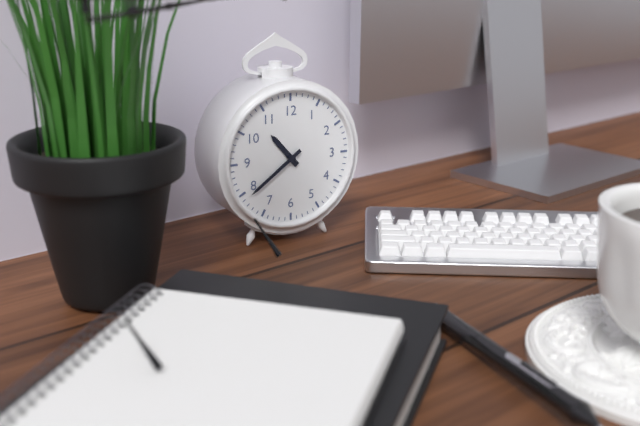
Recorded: 10,39
